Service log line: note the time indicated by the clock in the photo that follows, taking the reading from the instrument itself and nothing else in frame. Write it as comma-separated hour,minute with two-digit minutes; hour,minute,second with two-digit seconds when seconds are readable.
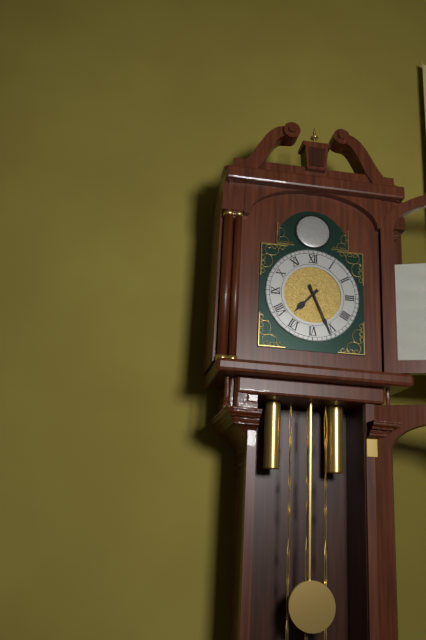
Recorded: 7,26
